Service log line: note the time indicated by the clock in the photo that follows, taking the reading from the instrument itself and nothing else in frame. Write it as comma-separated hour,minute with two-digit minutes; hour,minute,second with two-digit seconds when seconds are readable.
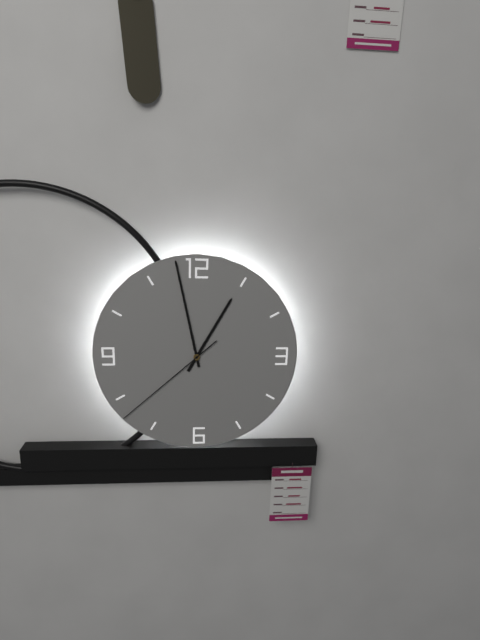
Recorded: 12,58,38
